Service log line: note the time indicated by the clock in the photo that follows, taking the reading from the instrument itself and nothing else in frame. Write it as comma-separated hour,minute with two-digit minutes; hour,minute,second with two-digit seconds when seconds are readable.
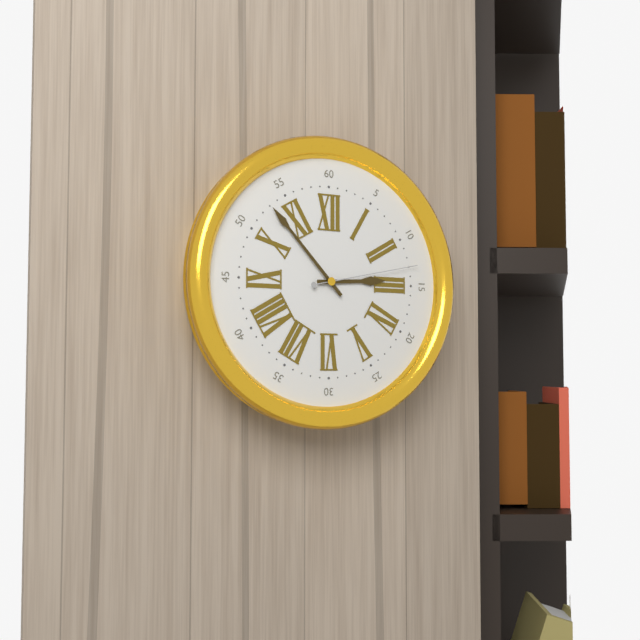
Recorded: 2,53,13
